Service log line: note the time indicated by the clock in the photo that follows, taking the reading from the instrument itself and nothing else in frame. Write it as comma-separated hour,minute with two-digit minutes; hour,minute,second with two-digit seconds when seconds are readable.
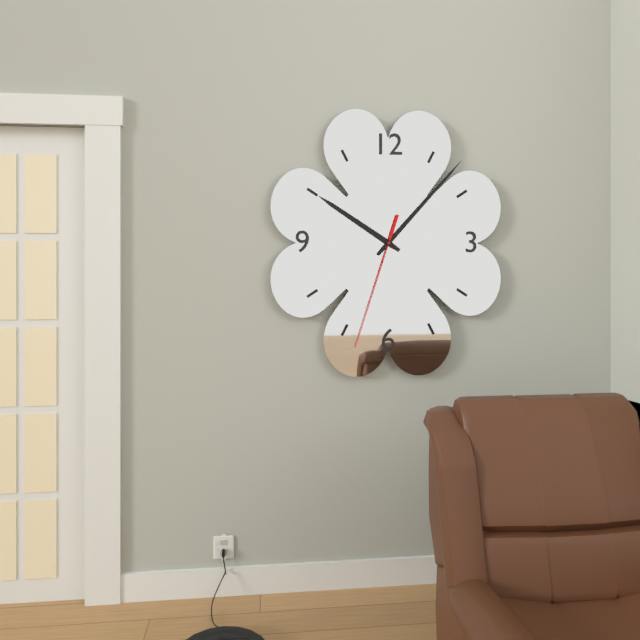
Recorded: 10,07,33
